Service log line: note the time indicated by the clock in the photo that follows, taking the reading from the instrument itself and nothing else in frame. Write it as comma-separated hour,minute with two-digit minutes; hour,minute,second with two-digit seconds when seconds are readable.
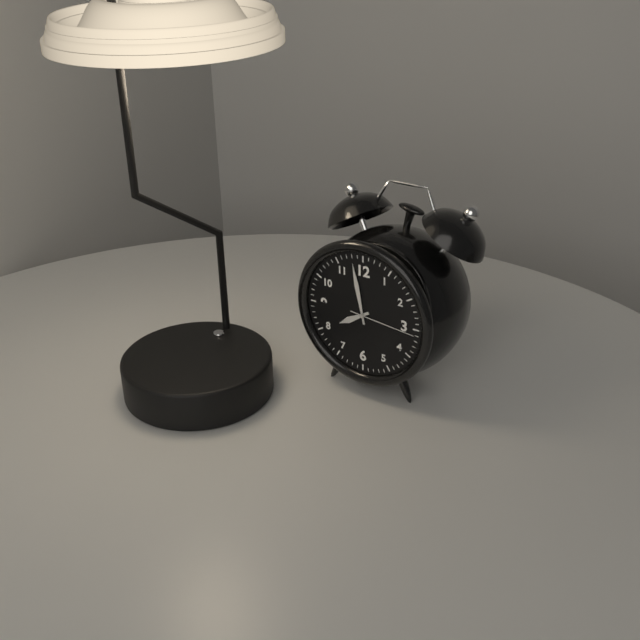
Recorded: 7,58,16
